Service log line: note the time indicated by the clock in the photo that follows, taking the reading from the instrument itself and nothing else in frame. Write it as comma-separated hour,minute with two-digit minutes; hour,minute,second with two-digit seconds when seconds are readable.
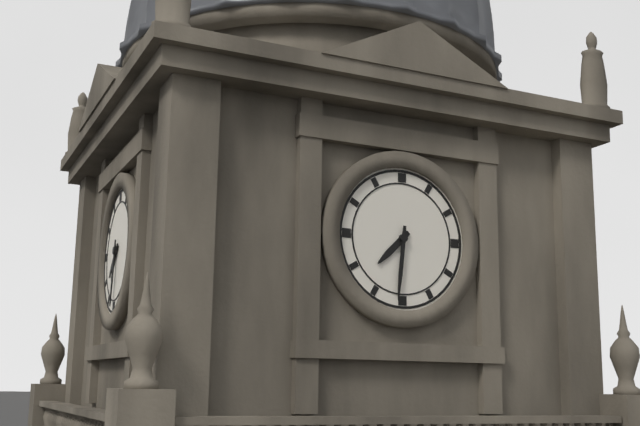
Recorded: 7,31
